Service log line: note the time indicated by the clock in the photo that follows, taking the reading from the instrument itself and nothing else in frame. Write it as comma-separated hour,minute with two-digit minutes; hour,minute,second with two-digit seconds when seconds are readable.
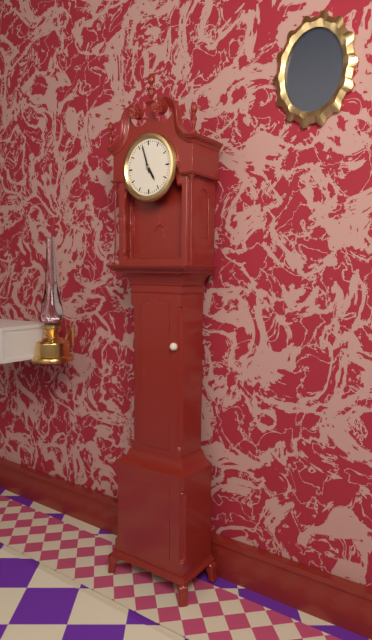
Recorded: 4,57
